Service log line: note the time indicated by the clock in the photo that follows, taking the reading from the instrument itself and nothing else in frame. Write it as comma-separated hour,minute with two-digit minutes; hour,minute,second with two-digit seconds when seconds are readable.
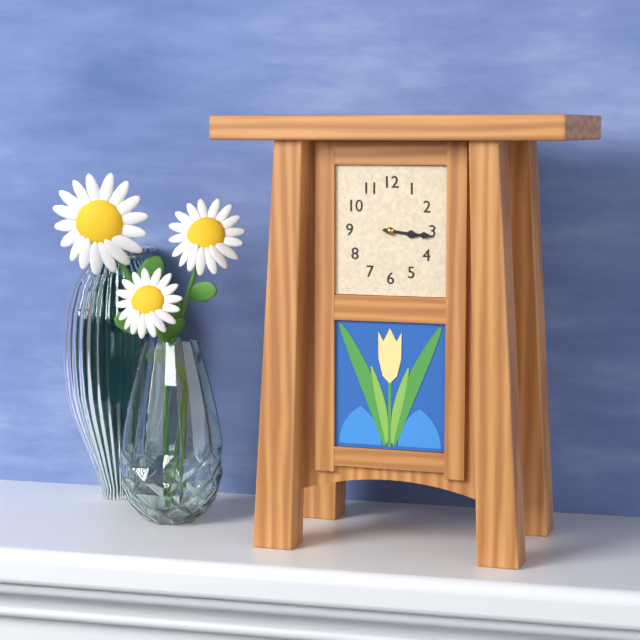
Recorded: 3,16
